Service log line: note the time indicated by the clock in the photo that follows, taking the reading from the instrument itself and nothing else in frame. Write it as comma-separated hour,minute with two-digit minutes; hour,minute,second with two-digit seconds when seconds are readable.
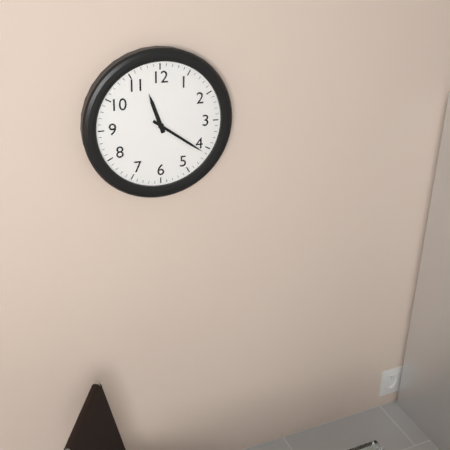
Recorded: 11,21
